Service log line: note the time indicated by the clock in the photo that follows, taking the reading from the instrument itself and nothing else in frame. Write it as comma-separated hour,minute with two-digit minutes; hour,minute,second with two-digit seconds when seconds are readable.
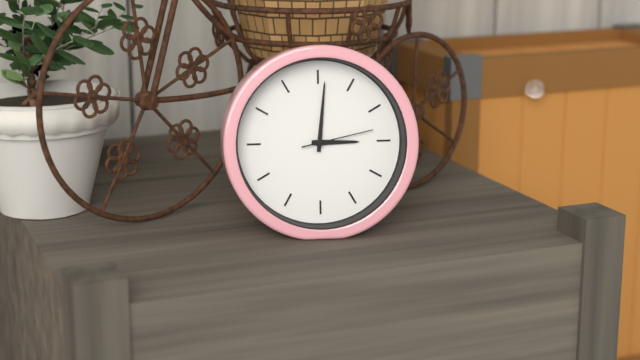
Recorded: 3,01,13
